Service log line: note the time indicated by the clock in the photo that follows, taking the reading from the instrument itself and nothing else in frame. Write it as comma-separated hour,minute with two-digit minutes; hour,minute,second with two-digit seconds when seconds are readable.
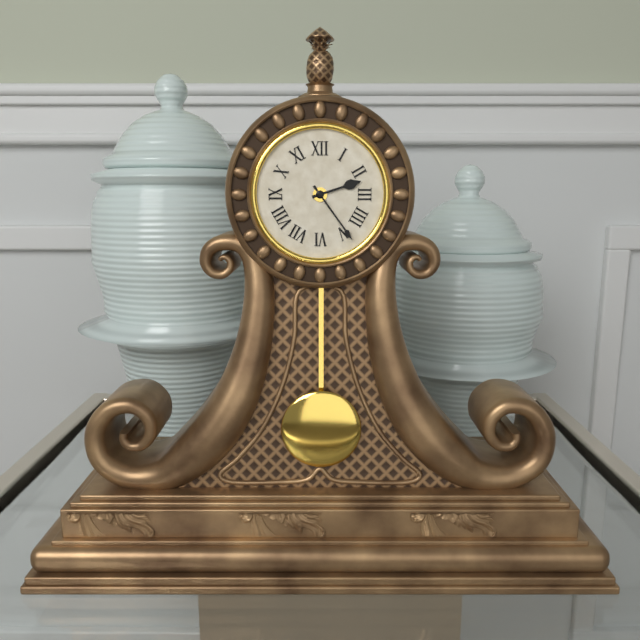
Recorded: 2,24
